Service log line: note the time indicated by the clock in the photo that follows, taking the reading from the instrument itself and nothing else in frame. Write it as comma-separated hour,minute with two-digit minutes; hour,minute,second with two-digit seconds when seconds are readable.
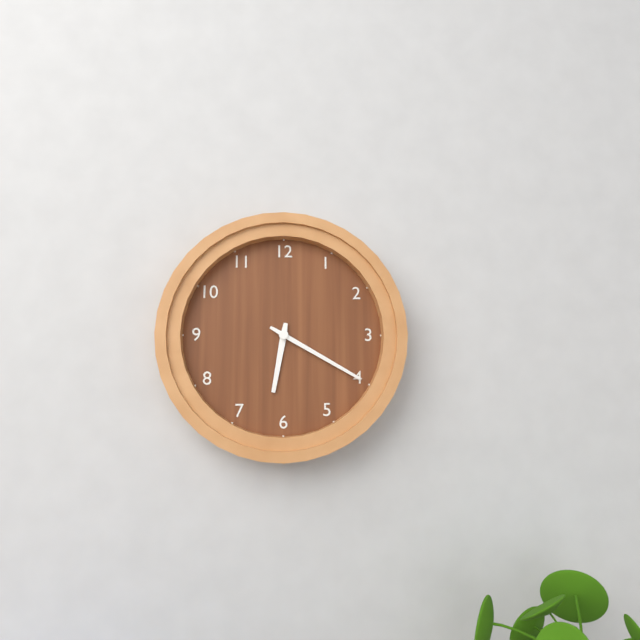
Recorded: 6,20
